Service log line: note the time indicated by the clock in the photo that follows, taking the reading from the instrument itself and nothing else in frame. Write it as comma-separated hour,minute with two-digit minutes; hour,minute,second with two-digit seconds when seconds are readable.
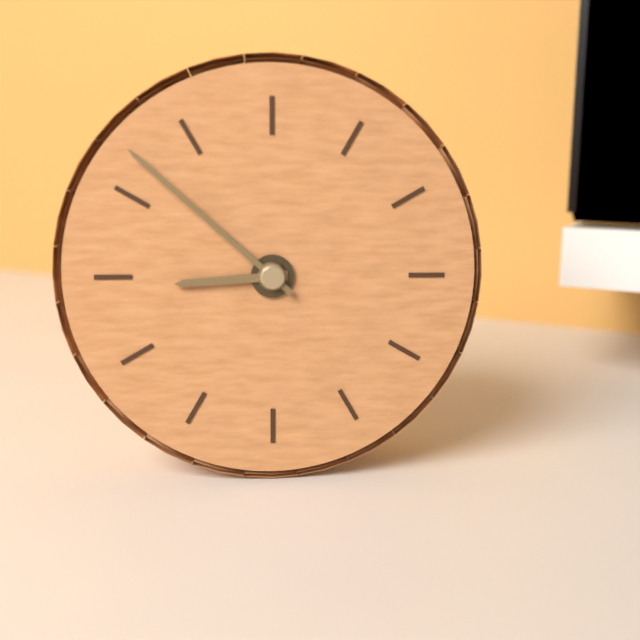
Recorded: 8,52
